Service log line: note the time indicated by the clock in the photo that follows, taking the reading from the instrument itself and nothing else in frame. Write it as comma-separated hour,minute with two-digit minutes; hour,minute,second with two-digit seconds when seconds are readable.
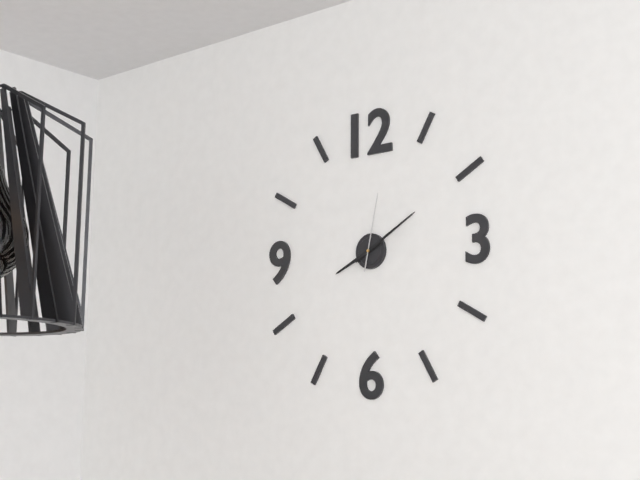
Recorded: 8,10,02
